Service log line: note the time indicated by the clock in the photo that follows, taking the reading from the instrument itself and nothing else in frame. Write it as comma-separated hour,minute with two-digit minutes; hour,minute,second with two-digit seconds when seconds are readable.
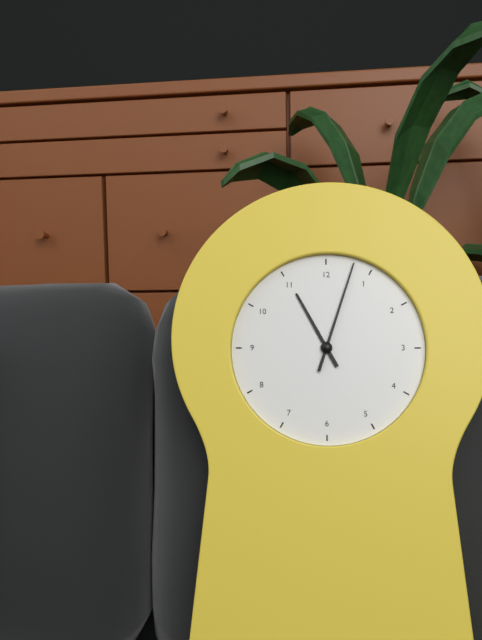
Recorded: 11,03
